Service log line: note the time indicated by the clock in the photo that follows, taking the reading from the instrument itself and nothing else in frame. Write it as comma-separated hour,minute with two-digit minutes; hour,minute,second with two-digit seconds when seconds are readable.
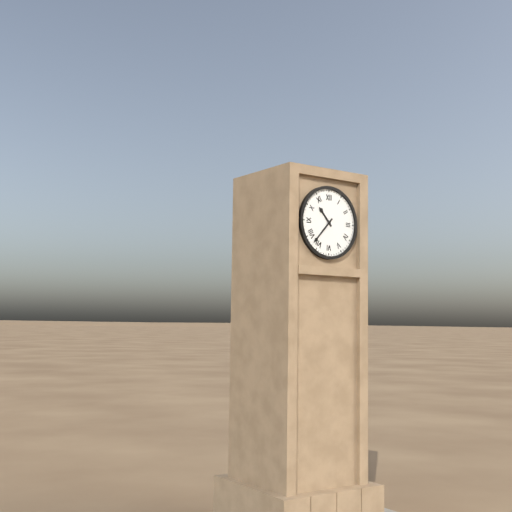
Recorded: 10,37
